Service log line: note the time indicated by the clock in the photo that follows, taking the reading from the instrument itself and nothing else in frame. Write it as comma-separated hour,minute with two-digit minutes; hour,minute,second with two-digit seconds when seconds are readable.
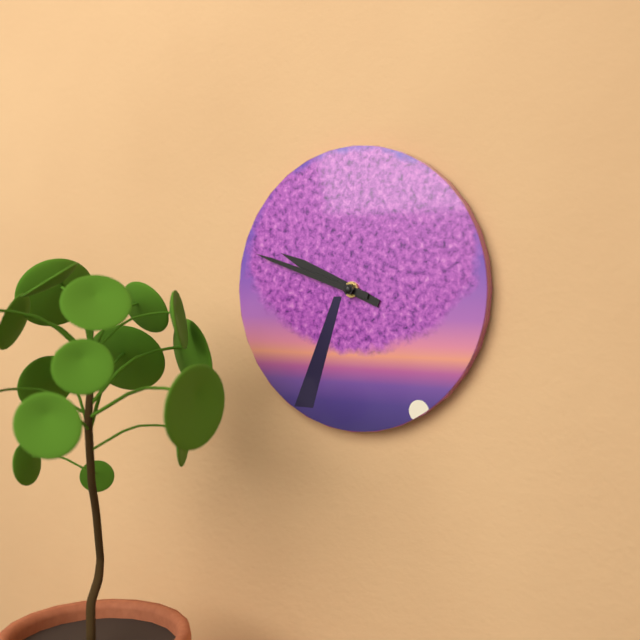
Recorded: 9,48
